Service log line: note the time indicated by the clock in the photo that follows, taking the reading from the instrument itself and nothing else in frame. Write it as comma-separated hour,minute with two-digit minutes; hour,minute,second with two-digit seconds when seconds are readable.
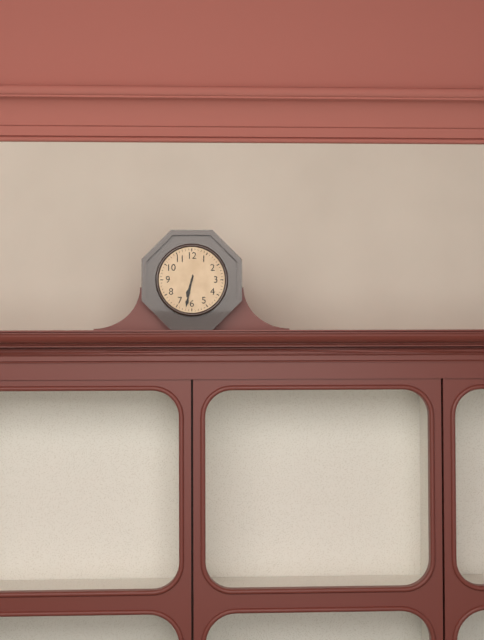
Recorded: 6,32
